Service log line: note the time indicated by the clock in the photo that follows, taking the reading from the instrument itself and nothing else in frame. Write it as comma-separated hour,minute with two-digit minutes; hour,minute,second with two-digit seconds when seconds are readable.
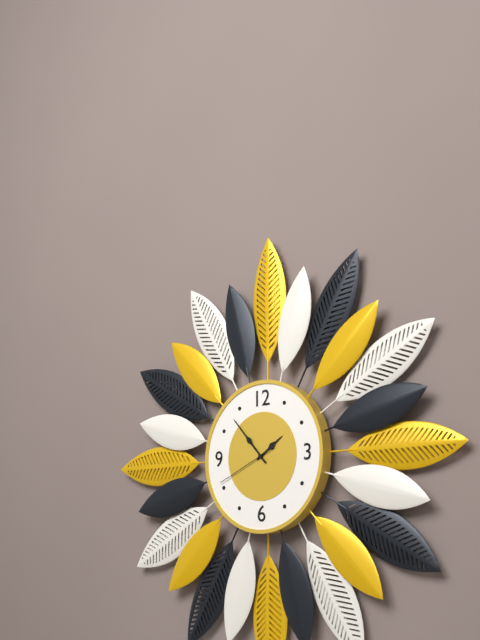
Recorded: 1,53,41
